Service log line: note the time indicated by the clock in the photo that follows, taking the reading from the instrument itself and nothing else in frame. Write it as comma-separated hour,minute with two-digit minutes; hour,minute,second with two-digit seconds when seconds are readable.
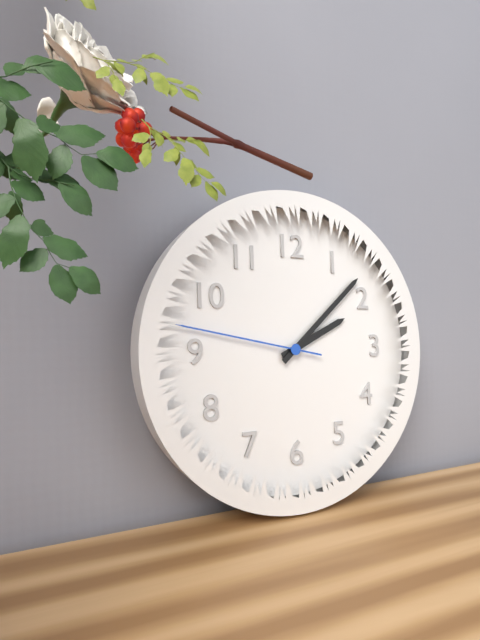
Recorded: 2,08,47
